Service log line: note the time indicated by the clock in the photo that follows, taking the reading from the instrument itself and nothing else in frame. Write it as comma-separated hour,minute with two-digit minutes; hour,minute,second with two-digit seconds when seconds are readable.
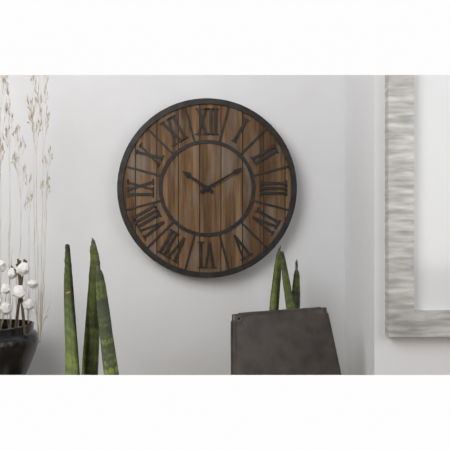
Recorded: 10,10
